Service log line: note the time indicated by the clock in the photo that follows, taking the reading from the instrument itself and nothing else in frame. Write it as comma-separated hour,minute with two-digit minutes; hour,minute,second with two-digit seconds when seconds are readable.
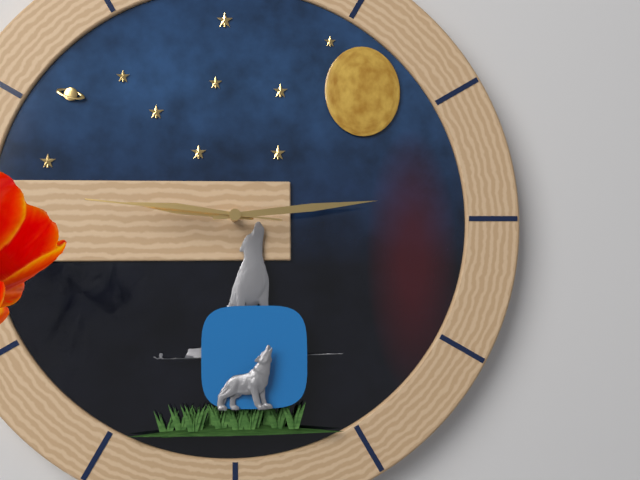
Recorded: 9,14,46
